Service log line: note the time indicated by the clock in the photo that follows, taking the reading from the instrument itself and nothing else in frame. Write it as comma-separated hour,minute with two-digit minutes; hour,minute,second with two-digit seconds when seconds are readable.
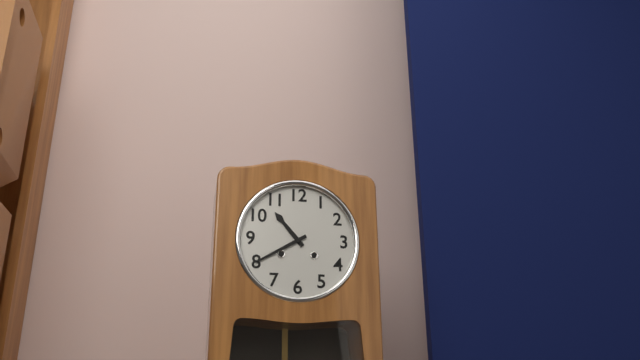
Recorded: 10,40
